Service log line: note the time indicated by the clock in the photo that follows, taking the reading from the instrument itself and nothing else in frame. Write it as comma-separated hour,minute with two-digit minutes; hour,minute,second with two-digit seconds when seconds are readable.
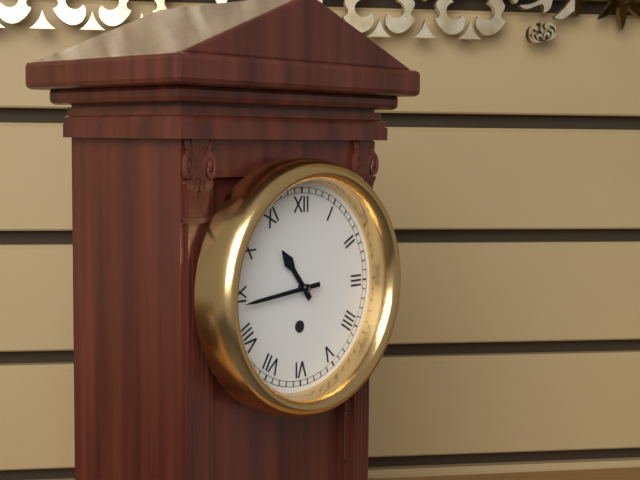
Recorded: 10,44
